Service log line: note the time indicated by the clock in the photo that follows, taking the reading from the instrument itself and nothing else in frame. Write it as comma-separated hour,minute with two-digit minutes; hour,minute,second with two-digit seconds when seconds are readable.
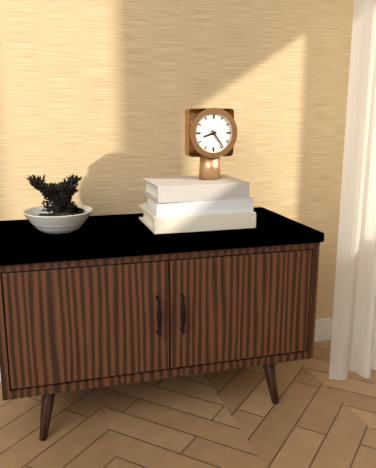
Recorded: 8,24
